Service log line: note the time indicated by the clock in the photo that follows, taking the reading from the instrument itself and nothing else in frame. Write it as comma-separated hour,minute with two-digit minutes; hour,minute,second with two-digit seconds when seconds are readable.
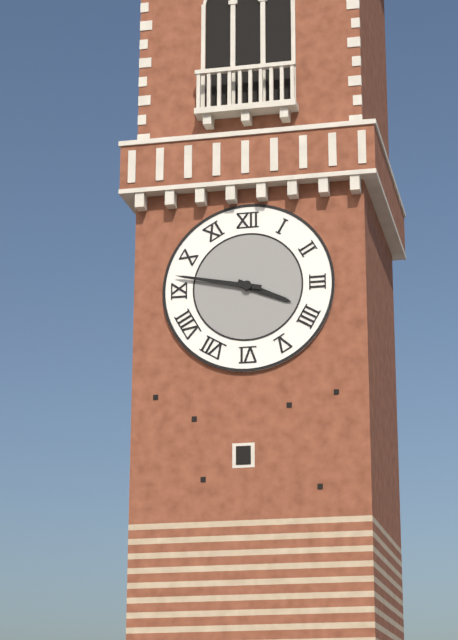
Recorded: 3,47
